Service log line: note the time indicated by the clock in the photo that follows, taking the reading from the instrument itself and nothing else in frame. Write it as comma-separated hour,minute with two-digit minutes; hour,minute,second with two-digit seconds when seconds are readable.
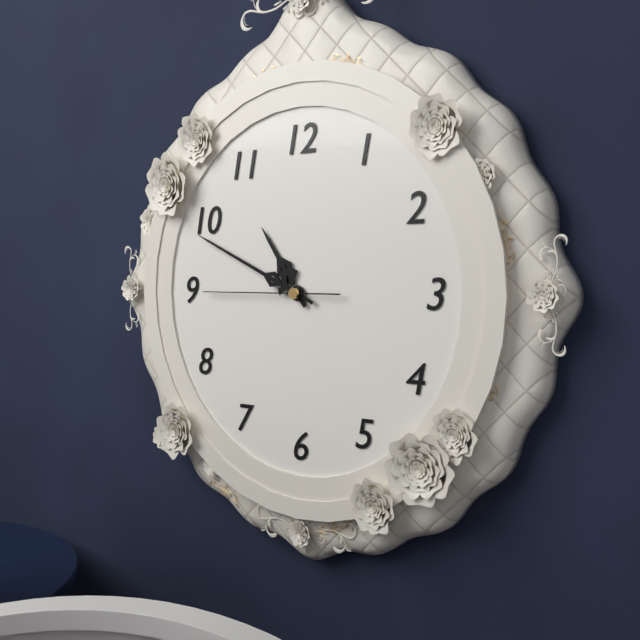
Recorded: 10,49,45
